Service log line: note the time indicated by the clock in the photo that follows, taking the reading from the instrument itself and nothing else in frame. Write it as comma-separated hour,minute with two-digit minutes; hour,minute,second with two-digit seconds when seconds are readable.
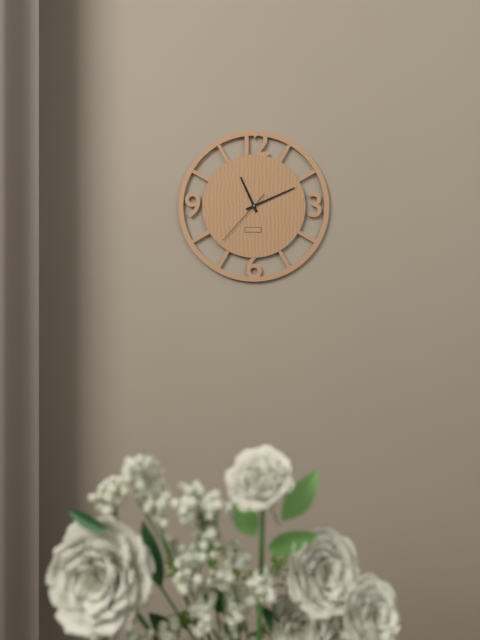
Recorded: 11,11,37
